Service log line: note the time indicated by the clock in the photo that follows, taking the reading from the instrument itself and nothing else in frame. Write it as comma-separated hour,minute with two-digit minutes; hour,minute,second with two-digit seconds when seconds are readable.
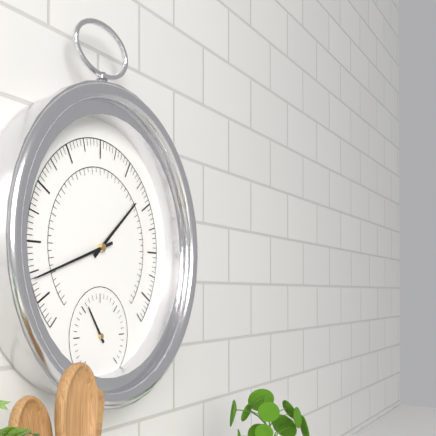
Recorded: 1,42
